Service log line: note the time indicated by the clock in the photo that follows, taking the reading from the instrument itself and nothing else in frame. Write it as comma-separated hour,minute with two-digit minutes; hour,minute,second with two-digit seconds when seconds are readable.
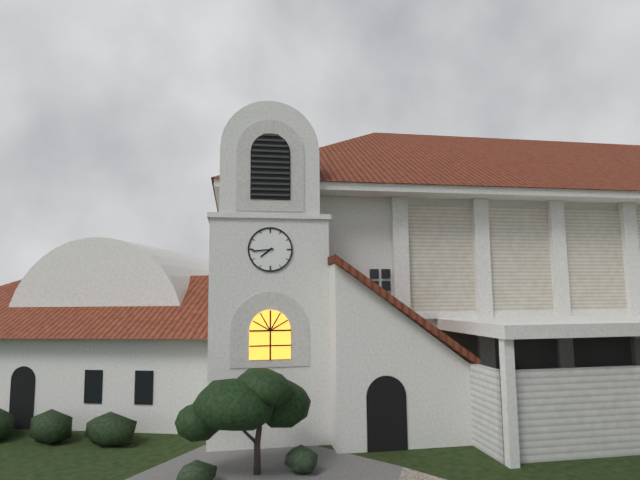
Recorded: 7,44
